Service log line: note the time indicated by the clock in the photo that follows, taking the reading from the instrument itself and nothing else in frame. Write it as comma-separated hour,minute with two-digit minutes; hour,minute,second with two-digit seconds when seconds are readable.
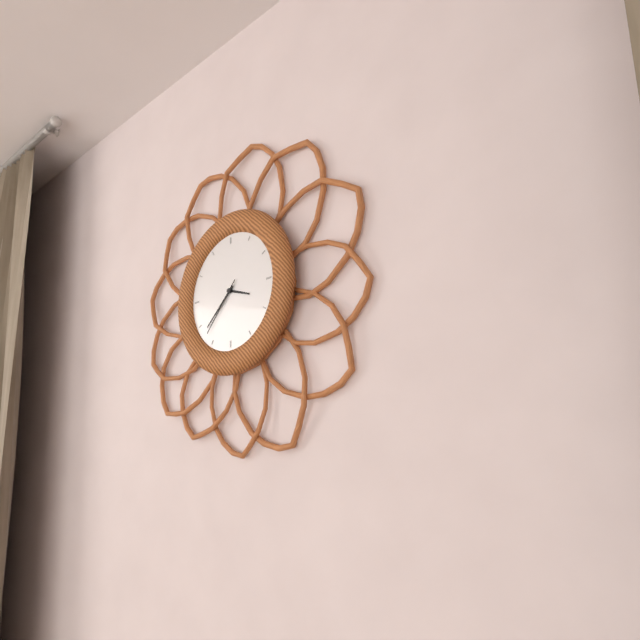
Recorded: 3,38,37
